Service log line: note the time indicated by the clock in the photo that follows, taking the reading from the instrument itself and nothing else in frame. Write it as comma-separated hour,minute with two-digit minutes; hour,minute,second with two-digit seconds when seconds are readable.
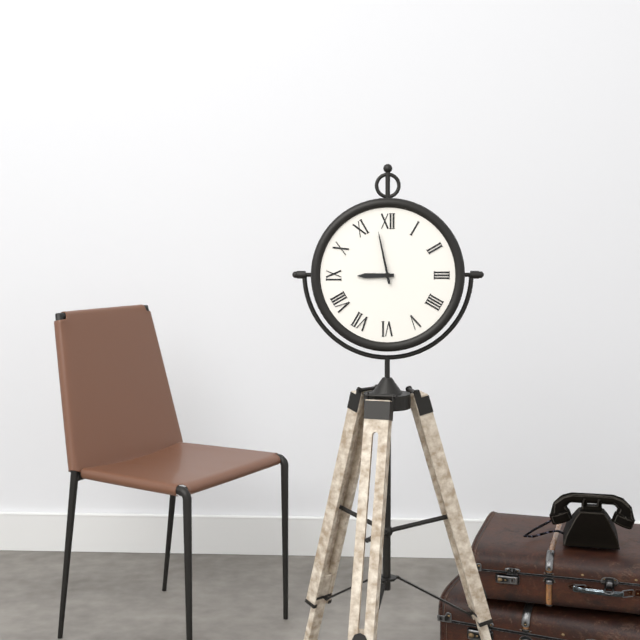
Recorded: 8,58
